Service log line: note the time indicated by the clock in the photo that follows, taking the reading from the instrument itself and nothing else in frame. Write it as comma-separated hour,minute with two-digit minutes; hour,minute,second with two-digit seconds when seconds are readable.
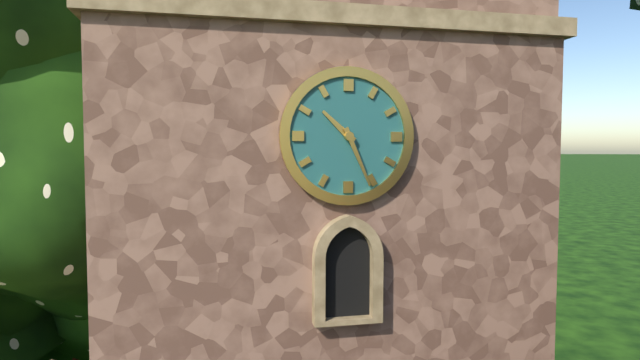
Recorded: 10,26
